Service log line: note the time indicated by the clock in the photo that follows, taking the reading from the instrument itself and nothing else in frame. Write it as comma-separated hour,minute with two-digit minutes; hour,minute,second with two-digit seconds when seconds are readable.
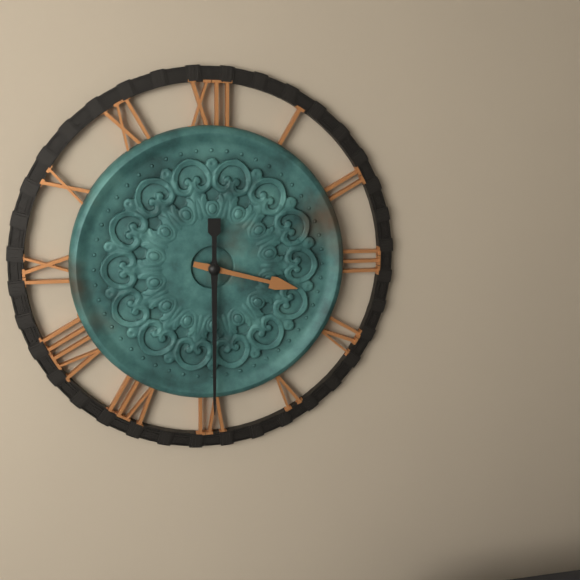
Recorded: 3,30
